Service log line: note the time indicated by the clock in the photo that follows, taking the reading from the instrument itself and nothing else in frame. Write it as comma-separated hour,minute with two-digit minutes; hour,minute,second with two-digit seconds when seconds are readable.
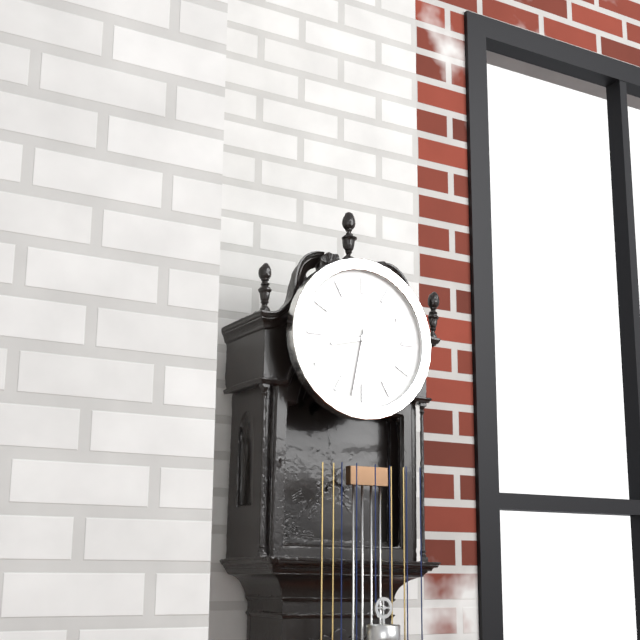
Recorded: 8,32
